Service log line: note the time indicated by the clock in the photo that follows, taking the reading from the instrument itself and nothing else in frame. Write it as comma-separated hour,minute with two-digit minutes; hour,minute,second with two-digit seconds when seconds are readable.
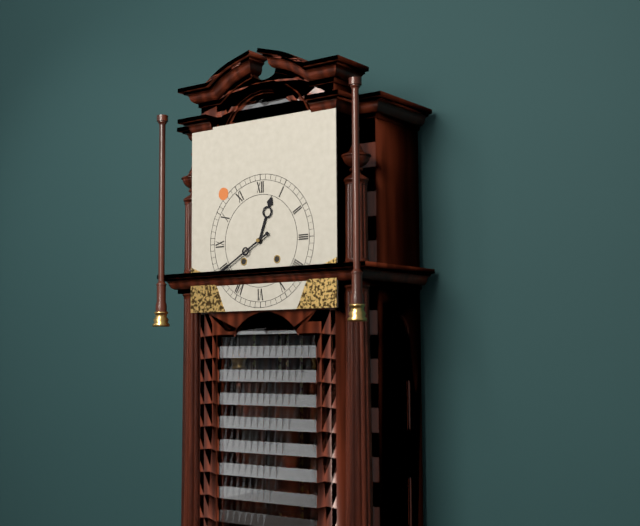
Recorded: 12,40
